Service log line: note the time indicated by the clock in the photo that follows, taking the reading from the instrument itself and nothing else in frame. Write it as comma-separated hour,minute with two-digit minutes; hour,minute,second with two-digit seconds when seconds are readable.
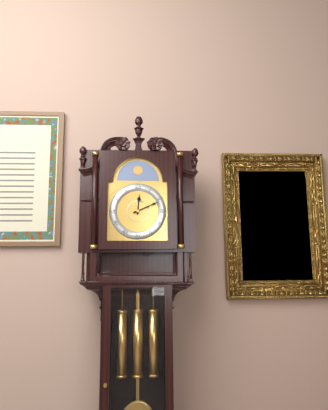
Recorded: 12,11
